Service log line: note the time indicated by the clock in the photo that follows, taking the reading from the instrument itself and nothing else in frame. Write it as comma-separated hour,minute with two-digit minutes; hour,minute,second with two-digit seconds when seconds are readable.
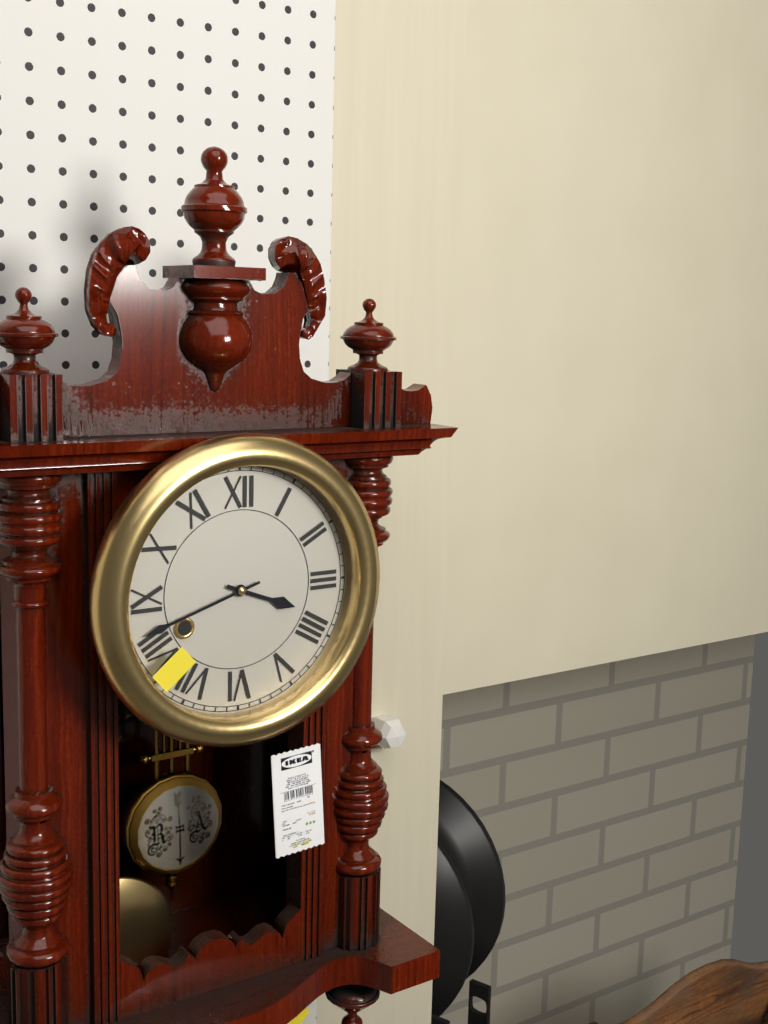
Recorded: 3,42
